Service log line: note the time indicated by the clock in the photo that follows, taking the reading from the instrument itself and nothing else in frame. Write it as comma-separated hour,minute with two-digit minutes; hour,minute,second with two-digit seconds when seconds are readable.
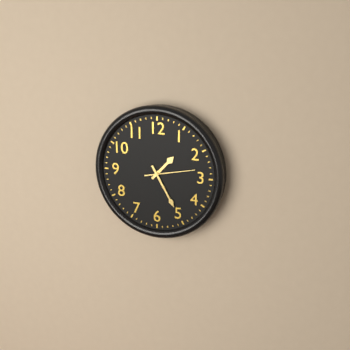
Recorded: 1,25
